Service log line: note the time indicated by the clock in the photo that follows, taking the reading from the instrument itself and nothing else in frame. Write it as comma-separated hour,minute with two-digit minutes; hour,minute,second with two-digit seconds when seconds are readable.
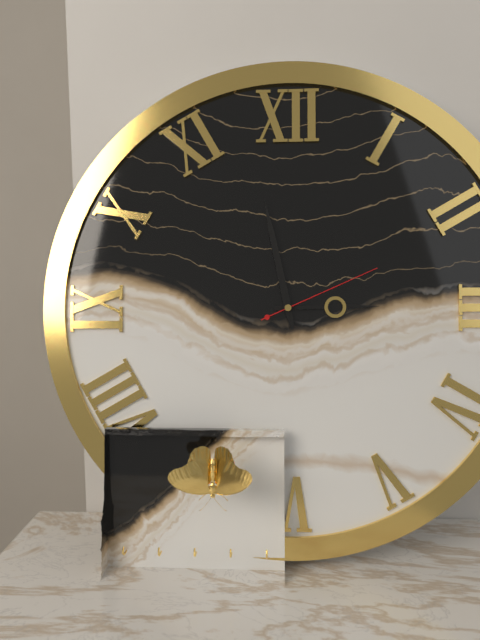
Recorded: 2,58,11
